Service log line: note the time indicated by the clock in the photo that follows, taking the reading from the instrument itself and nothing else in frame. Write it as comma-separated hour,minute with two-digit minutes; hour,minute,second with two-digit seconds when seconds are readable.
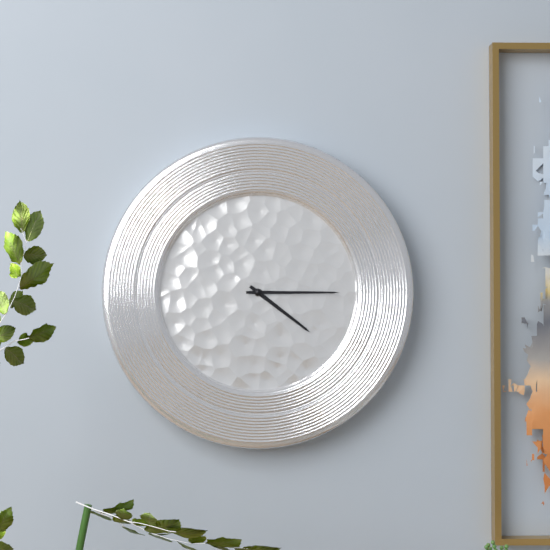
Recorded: 4,15
